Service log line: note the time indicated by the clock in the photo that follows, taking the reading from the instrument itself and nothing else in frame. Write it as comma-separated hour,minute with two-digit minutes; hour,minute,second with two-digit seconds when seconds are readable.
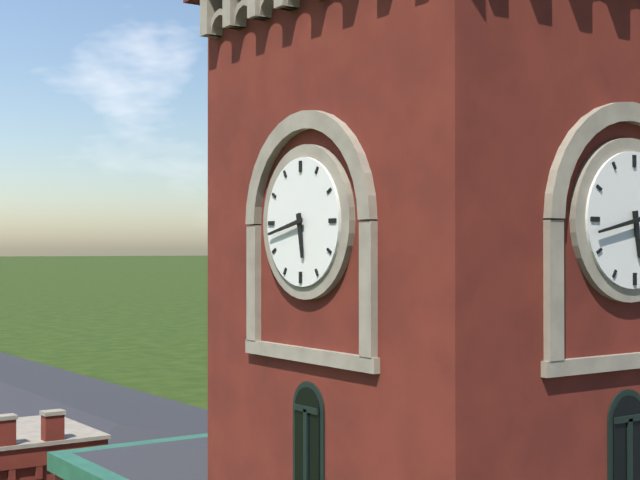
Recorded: 5,43
